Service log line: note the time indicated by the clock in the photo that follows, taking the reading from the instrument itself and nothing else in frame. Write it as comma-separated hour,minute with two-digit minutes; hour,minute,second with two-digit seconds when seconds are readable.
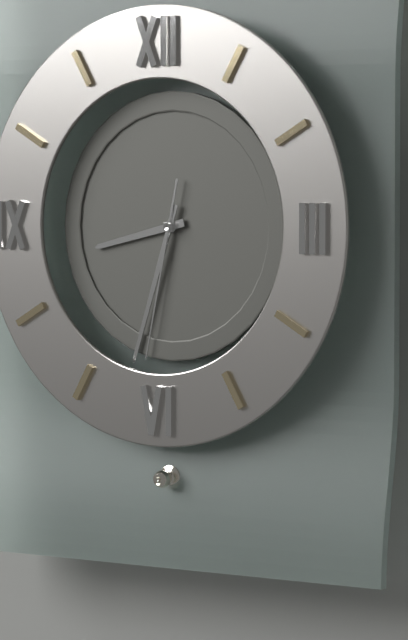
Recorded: 8,33,32
